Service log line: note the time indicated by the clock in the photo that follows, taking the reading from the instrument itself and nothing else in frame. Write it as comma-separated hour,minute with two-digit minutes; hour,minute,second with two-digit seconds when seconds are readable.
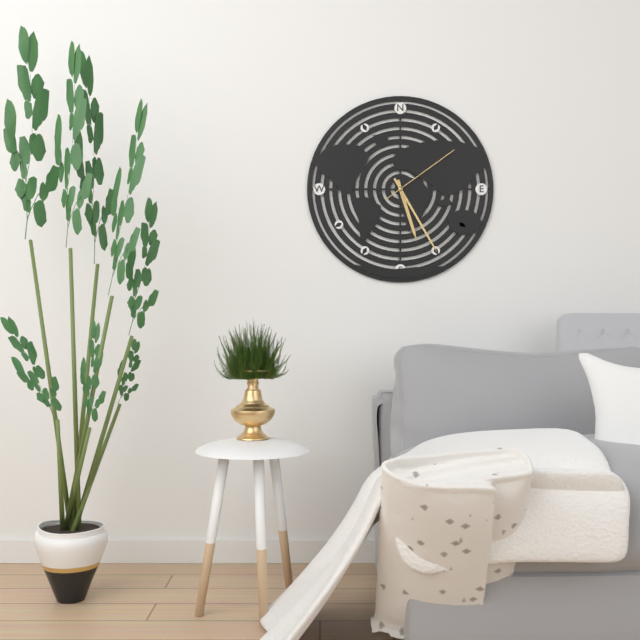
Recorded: 5,25,09
